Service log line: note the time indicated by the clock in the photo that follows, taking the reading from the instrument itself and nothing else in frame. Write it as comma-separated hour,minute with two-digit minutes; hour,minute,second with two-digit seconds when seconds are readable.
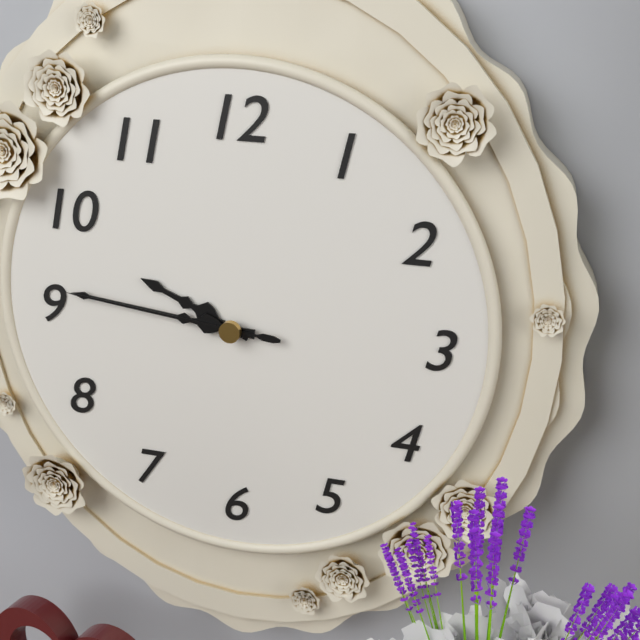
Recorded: 9,46,46
